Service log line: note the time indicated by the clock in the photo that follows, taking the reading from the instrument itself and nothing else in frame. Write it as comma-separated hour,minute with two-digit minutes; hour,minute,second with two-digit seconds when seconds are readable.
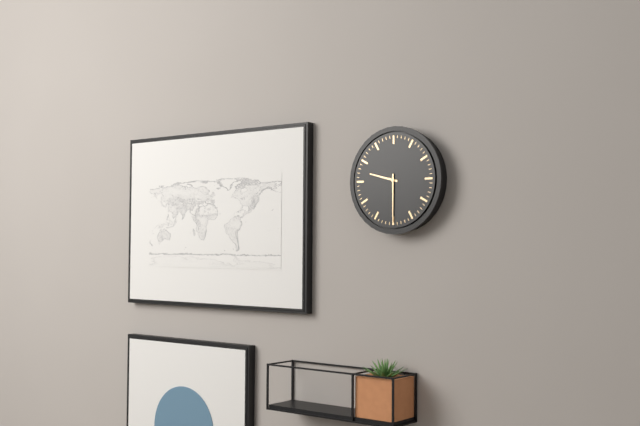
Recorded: 9,30
